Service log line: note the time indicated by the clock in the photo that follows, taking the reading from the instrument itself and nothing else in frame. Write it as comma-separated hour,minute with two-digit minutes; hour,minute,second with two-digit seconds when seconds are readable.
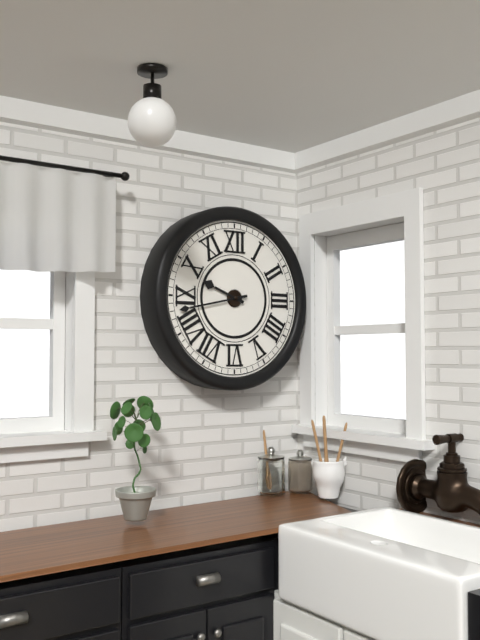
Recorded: 9,43
